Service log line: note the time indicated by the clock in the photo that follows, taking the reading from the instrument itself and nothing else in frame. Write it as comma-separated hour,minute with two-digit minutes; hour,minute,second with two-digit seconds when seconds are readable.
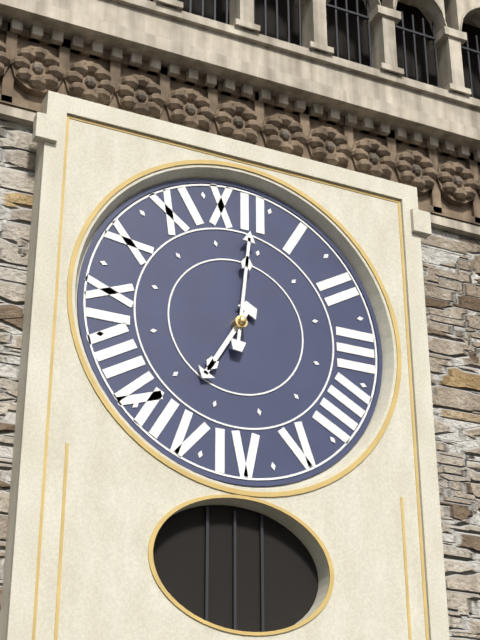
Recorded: 7,01
